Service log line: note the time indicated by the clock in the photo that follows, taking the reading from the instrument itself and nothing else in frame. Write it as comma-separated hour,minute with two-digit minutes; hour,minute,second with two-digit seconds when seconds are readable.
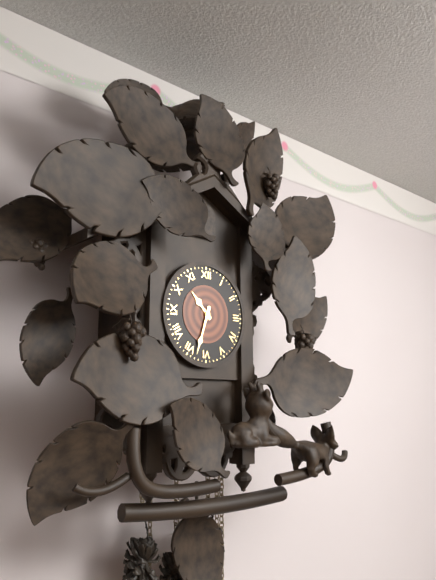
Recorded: 10,33
